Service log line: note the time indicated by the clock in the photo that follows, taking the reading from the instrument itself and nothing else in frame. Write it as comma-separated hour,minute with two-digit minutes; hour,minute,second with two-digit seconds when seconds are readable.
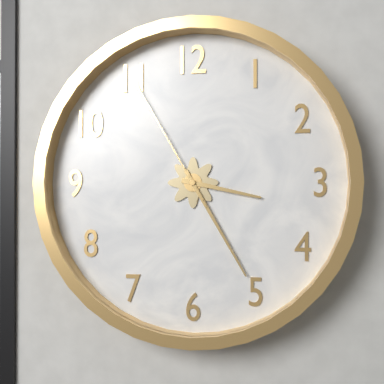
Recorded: 3,25,55
